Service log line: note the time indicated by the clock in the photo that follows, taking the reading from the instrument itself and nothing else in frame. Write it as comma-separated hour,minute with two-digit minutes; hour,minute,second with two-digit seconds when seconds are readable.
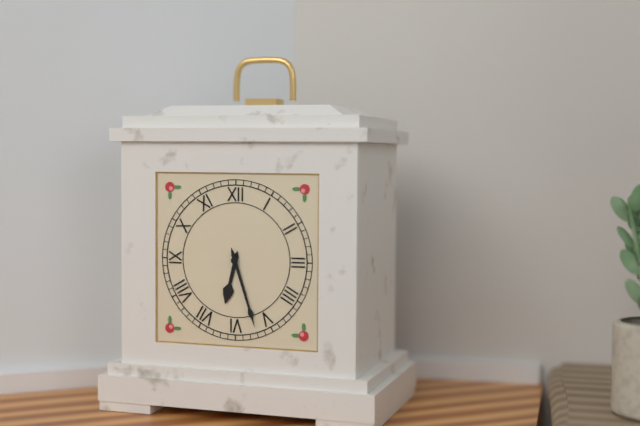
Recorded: 6,27
